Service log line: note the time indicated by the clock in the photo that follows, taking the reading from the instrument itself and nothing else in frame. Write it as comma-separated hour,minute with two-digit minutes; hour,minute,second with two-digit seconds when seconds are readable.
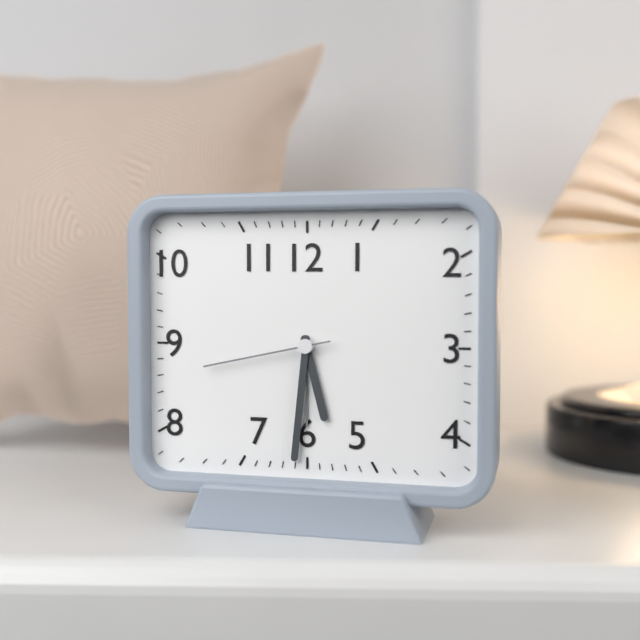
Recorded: 5,31,43
